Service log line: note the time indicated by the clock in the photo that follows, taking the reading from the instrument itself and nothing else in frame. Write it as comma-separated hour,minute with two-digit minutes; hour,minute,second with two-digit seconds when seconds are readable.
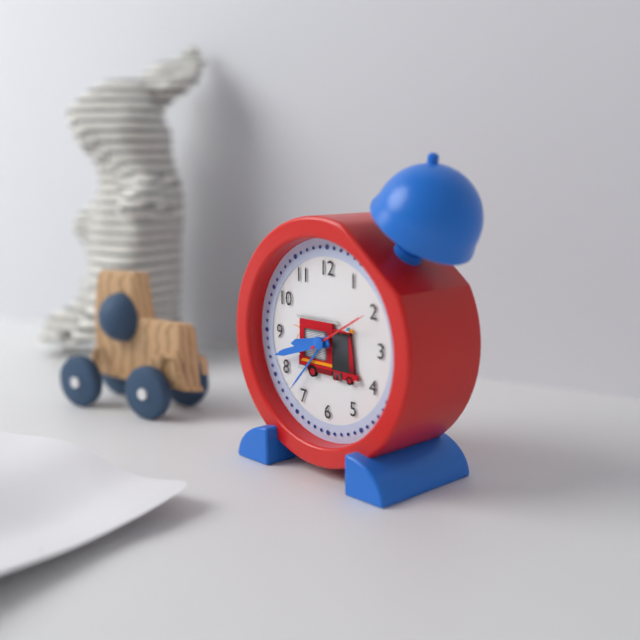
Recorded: 8,42
